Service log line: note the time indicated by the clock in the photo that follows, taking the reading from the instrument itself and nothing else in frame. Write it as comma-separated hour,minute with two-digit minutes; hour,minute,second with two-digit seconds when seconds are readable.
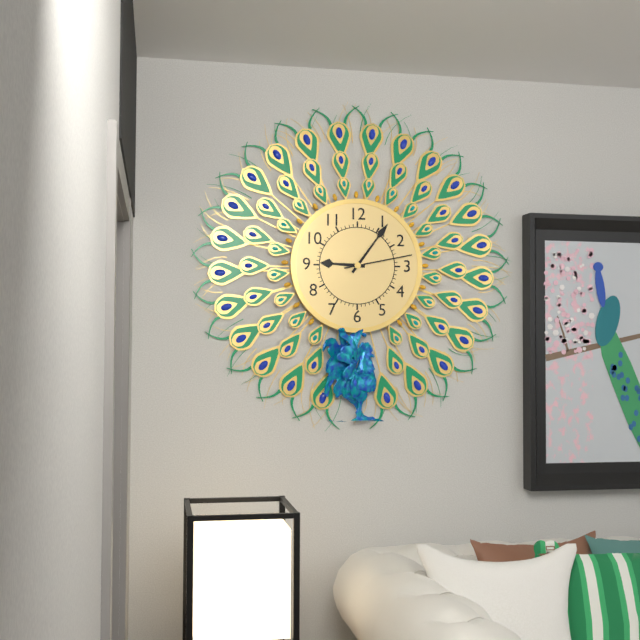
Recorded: 9,06,13
